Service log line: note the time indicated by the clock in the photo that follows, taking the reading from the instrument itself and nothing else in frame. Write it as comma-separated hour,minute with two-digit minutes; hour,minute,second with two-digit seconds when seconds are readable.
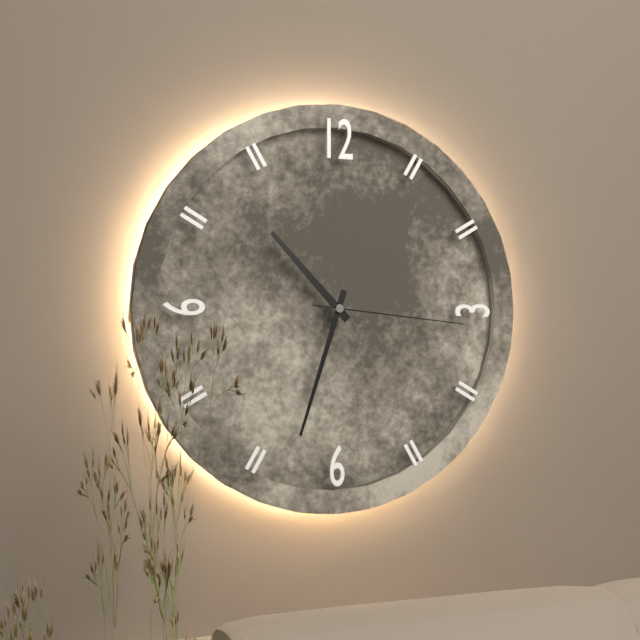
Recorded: 10,33,16
